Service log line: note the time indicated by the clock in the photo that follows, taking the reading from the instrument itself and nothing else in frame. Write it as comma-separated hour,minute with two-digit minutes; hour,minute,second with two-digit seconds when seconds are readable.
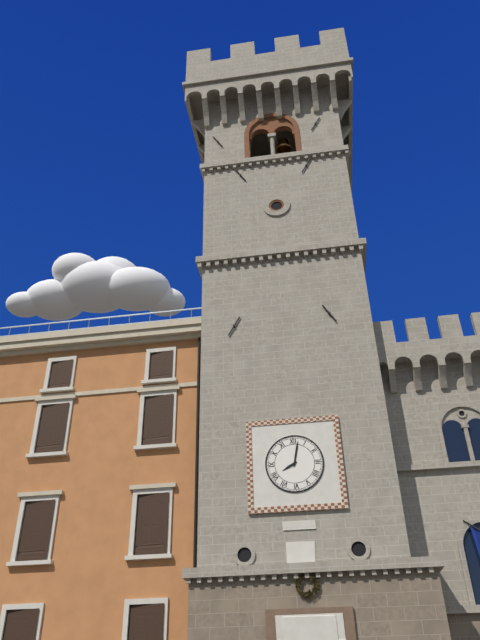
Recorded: 8,02
